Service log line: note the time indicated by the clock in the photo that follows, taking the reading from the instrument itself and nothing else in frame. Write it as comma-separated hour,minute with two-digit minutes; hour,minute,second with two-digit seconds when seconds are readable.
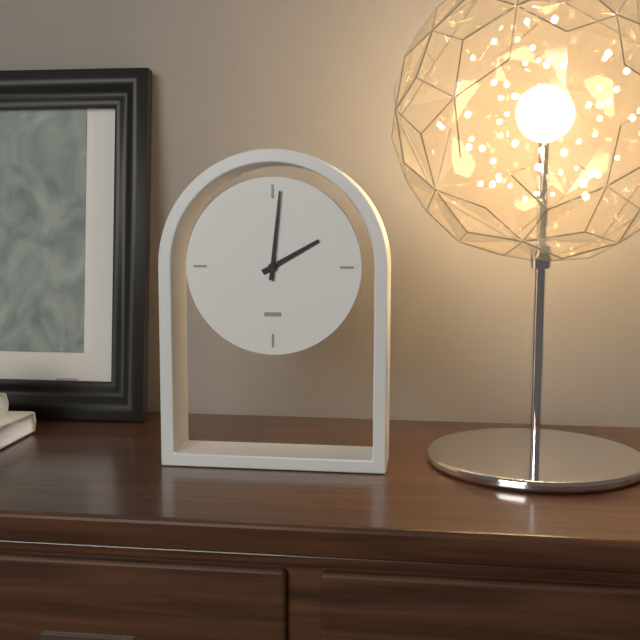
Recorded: 2,01
